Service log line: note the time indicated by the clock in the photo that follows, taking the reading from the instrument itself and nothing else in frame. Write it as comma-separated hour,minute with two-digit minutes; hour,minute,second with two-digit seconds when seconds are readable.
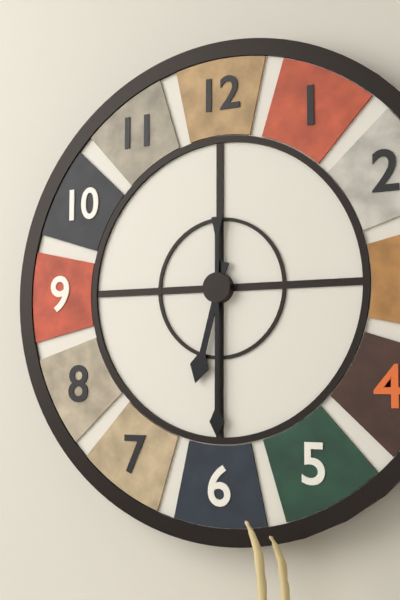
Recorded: 6,30
